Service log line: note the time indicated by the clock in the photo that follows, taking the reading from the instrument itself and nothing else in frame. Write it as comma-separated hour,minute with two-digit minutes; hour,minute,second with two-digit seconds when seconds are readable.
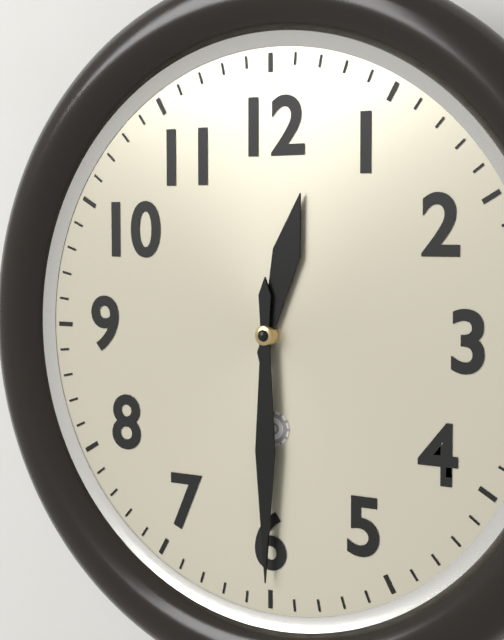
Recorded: 12,30
